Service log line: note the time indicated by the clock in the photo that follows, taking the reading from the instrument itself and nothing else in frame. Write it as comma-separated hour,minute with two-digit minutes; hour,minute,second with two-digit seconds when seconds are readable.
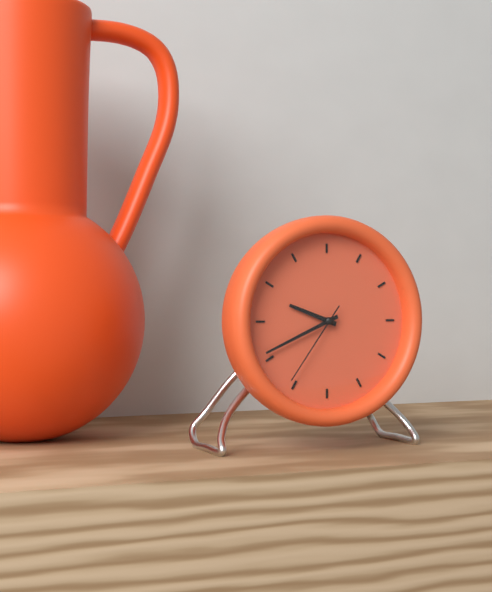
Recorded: 9,41,36
